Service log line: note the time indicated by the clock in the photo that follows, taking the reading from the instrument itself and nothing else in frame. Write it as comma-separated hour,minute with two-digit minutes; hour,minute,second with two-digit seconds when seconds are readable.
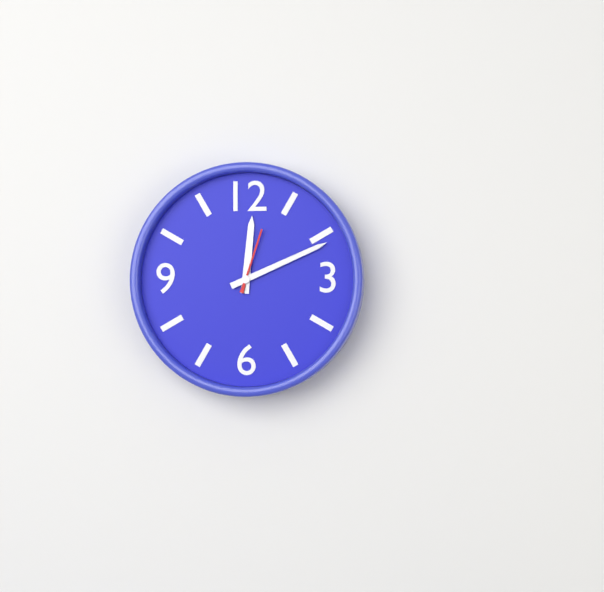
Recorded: 12,11,03
